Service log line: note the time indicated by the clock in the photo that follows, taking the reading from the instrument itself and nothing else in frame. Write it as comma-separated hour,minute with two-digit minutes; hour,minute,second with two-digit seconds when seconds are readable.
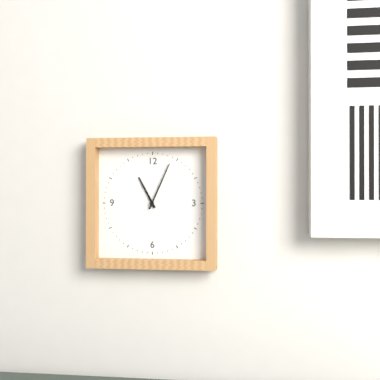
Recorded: 11,04
